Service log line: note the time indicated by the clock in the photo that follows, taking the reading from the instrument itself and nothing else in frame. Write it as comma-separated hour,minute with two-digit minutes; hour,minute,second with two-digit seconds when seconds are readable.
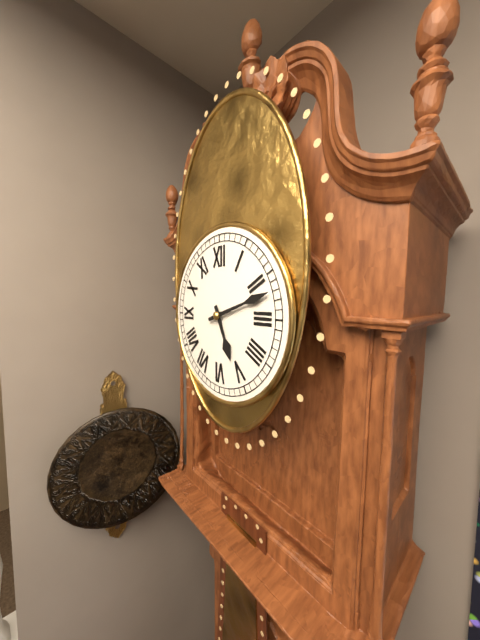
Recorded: 5,12
